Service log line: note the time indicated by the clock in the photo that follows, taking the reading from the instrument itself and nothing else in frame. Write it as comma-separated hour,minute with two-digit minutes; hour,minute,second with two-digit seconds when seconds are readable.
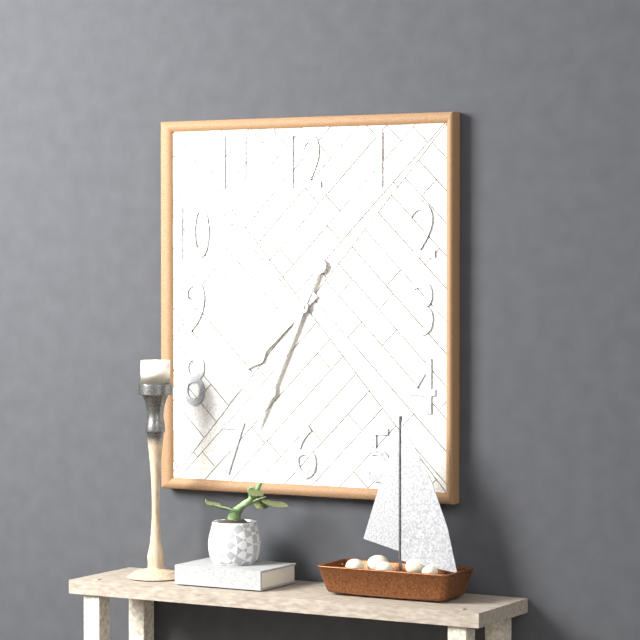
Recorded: 7,34
